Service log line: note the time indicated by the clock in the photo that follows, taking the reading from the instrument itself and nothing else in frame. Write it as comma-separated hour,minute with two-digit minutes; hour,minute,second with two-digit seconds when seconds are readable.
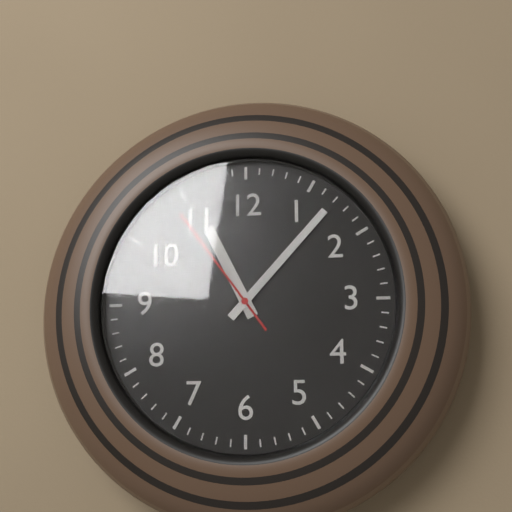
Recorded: 11,07,54
